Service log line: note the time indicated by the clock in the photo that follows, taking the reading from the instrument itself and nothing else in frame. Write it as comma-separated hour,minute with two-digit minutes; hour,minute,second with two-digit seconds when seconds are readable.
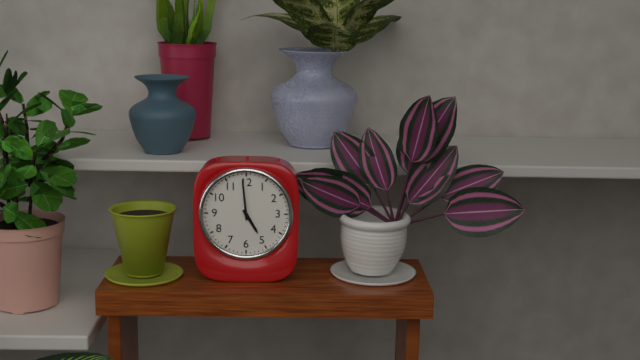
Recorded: 4,59
